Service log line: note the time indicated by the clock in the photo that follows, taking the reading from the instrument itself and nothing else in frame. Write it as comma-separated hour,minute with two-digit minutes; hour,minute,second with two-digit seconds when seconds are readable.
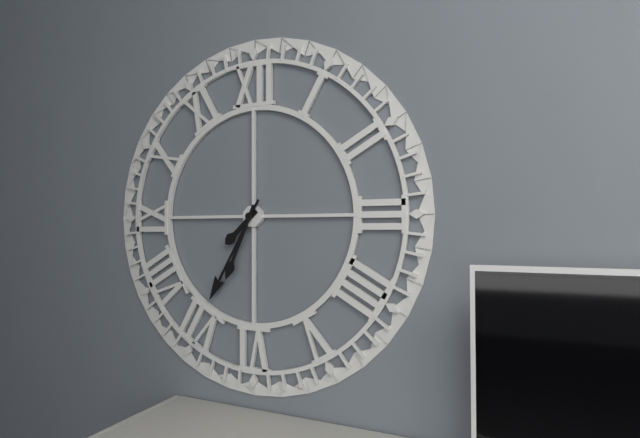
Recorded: 7,35,34
